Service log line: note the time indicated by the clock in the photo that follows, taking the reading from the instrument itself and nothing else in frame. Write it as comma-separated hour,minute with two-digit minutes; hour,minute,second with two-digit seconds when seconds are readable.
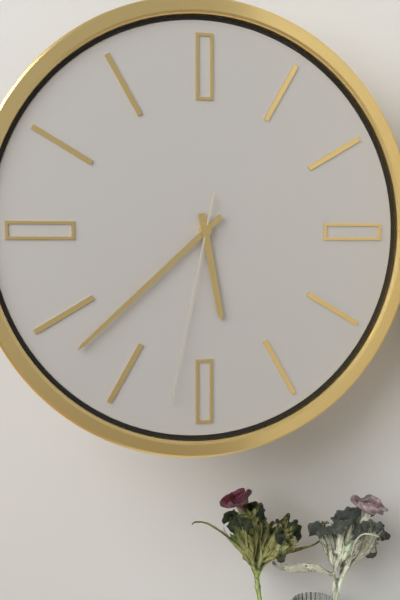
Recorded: 5,38,32
